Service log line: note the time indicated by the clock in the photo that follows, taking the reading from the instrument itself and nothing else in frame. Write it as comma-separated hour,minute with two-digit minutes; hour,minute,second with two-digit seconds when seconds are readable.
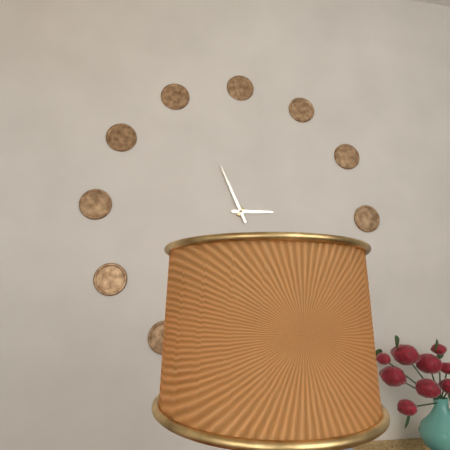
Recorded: 2,56
